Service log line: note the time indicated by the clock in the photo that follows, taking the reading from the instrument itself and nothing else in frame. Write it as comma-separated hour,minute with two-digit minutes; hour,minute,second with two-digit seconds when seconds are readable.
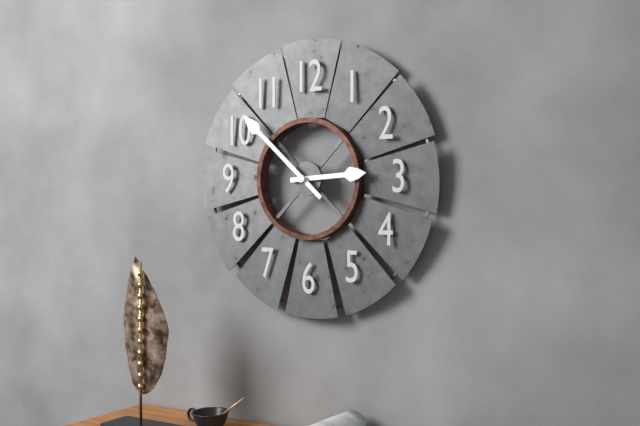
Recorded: 2,52
